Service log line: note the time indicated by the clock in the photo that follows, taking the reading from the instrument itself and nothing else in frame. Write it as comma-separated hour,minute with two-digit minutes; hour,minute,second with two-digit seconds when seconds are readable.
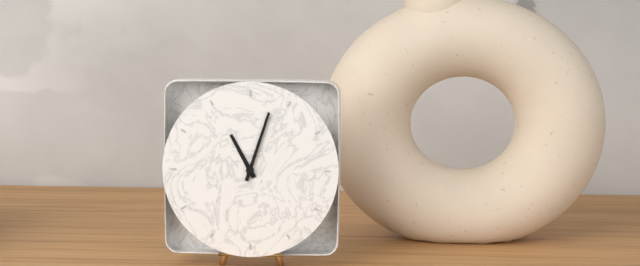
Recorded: 11,03
